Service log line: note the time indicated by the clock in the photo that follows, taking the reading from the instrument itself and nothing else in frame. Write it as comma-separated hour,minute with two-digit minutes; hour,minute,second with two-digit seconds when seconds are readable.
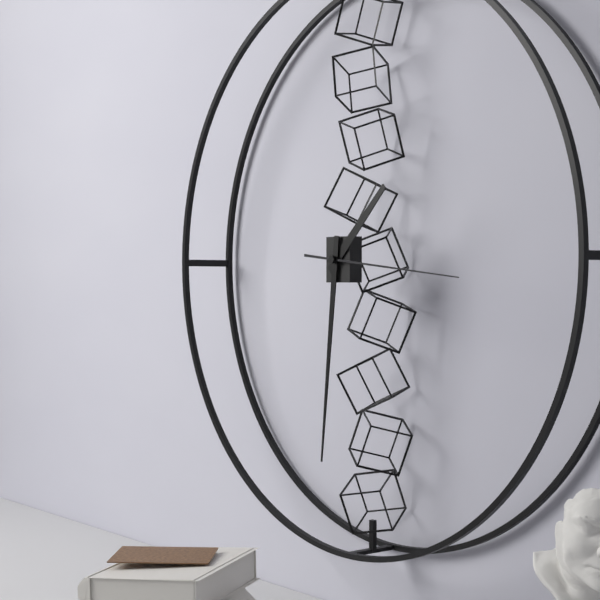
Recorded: 1,31,16
